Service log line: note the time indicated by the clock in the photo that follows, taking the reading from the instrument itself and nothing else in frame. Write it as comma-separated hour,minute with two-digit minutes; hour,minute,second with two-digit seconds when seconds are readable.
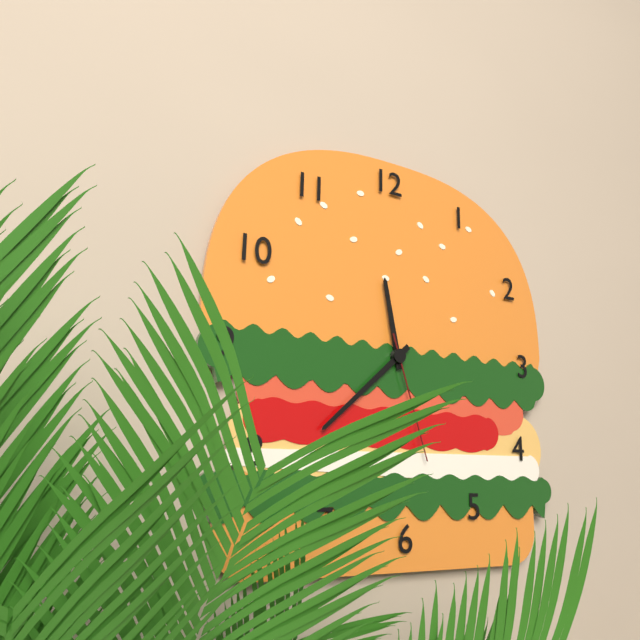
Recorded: 11,38,27
